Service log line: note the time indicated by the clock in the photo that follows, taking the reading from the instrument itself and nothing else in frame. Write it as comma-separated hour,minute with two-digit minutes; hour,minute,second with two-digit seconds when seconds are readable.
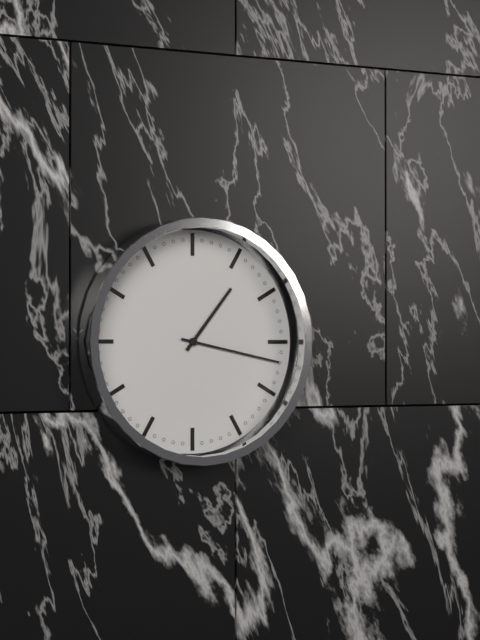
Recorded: 1,17
